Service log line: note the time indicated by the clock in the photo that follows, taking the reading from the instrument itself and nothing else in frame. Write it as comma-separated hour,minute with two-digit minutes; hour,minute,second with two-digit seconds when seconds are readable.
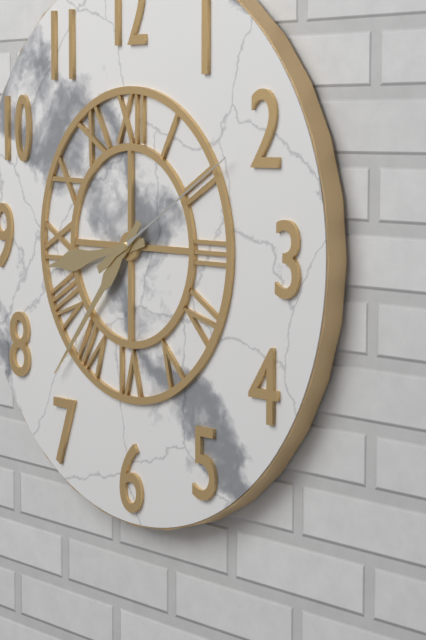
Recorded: 8,37,10
